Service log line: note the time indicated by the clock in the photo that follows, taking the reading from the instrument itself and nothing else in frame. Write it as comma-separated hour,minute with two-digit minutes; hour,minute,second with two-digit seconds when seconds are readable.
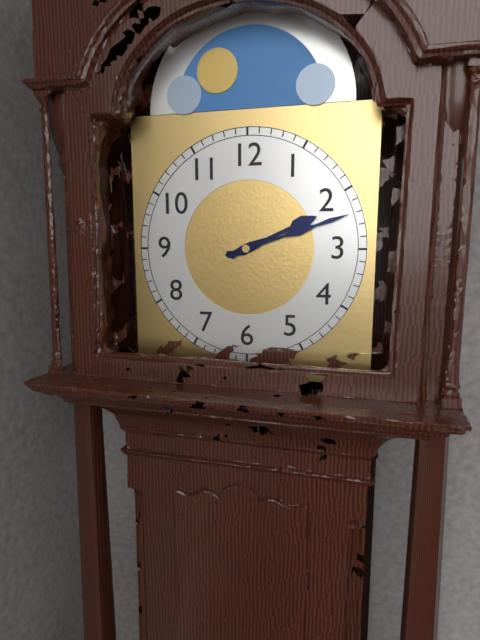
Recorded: 2,12
